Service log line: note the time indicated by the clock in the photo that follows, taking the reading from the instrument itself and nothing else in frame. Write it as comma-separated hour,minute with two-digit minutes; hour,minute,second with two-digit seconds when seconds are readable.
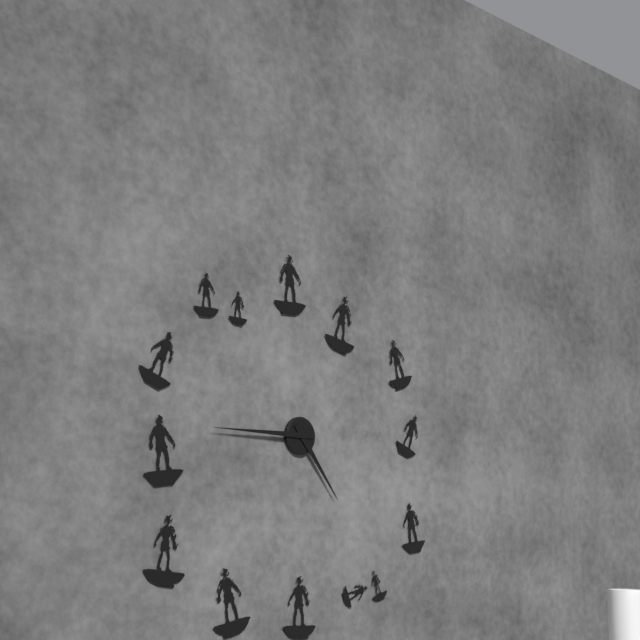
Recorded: 4,45
